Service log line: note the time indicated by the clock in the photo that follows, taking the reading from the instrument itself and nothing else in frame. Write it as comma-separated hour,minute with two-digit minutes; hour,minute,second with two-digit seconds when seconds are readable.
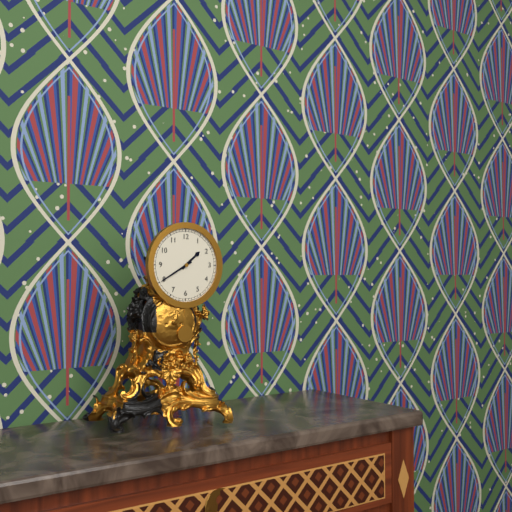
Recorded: 1,40
